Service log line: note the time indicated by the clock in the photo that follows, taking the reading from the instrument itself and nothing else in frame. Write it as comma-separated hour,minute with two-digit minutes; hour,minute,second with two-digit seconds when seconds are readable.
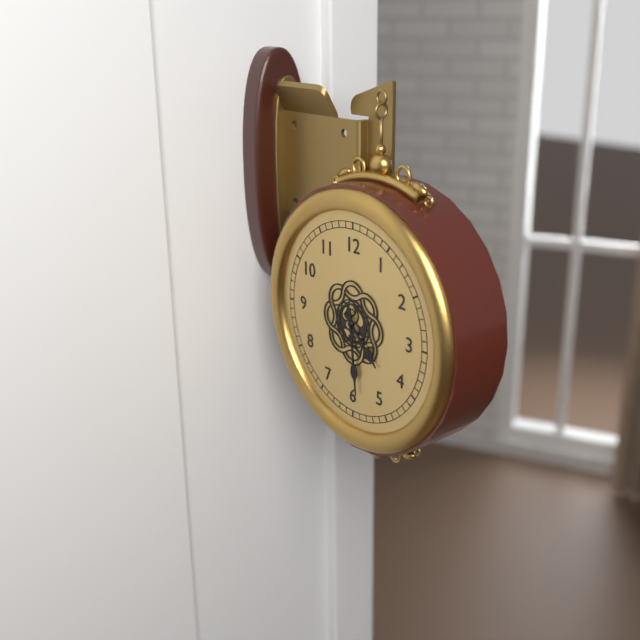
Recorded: 4,29
